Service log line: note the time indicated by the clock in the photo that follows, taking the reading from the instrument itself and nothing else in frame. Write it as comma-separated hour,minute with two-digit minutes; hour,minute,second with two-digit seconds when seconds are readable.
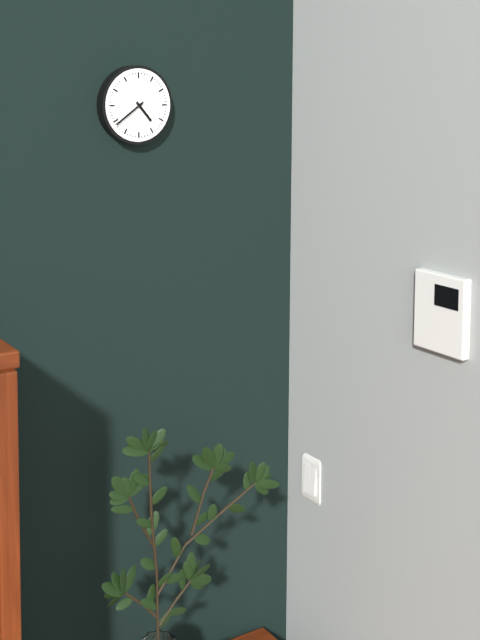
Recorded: 4,39
